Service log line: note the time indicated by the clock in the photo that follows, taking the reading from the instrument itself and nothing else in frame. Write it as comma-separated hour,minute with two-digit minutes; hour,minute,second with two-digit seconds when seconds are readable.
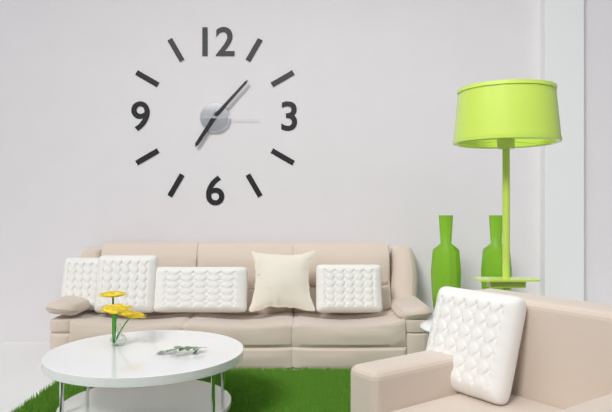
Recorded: 7,07,15
